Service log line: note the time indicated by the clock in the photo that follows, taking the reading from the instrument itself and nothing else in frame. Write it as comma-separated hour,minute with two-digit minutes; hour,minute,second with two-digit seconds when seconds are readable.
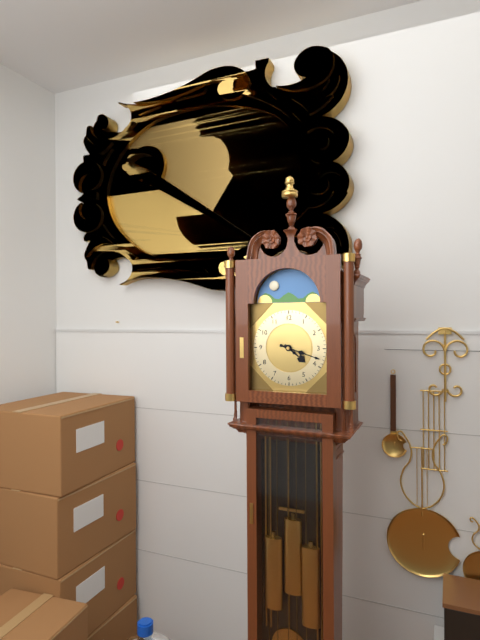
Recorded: 4,18
